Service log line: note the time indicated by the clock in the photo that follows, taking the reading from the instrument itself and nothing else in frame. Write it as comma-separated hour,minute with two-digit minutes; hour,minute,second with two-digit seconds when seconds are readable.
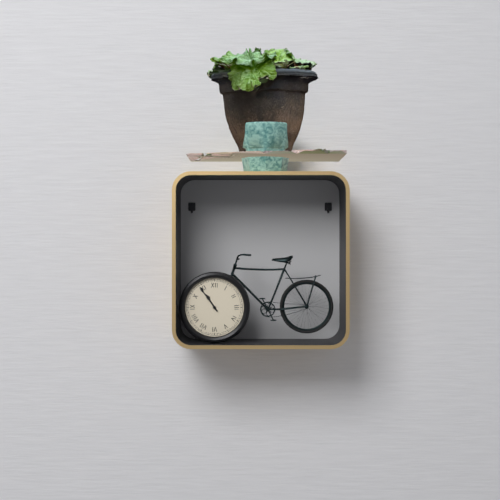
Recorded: 10,54
